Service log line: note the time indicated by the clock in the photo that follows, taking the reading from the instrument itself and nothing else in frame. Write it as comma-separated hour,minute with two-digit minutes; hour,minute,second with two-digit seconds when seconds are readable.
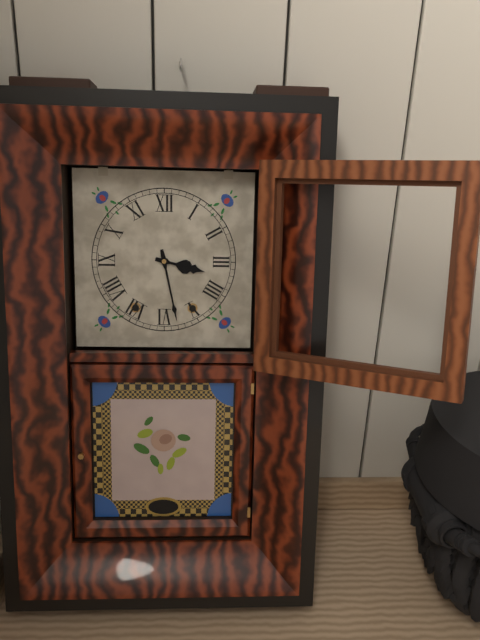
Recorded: 3,28
